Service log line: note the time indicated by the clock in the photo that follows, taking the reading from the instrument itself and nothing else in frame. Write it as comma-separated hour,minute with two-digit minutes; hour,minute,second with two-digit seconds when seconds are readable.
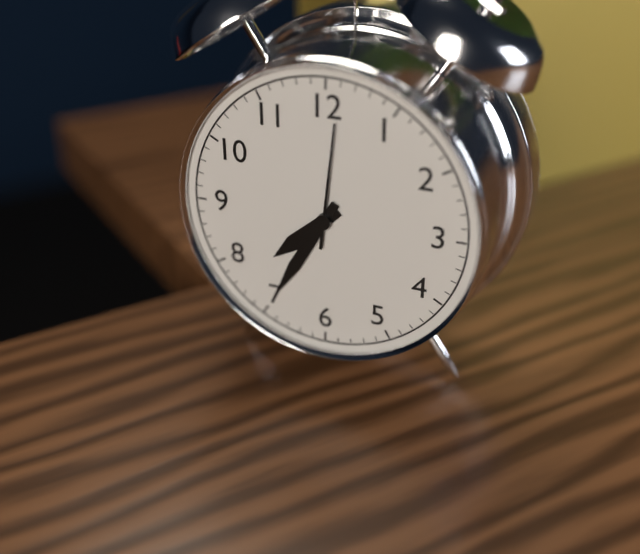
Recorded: 7,35,01
